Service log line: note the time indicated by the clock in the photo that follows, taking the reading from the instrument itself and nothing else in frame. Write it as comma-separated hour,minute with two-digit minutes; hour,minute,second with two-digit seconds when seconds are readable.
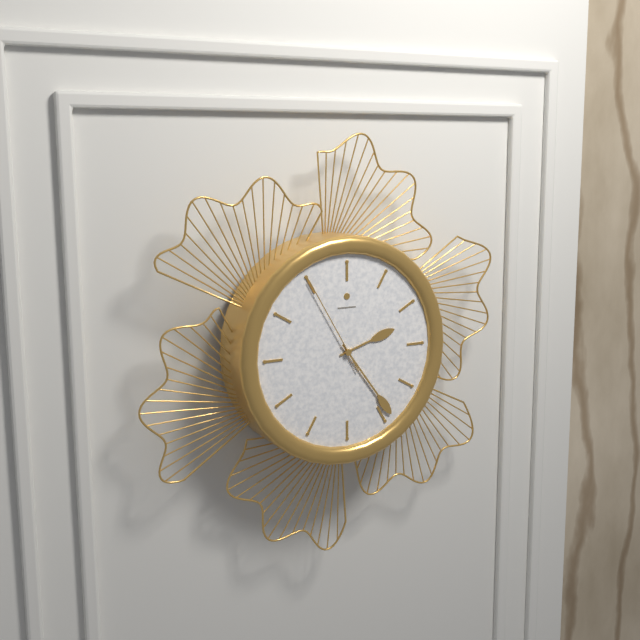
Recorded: 2,24,55
